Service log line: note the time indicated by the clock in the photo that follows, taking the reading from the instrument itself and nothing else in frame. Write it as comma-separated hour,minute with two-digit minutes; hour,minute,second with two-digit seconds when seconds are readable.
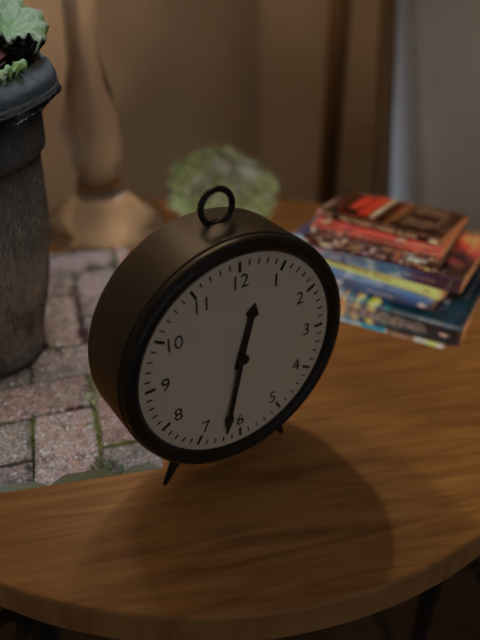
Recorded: 12,32
